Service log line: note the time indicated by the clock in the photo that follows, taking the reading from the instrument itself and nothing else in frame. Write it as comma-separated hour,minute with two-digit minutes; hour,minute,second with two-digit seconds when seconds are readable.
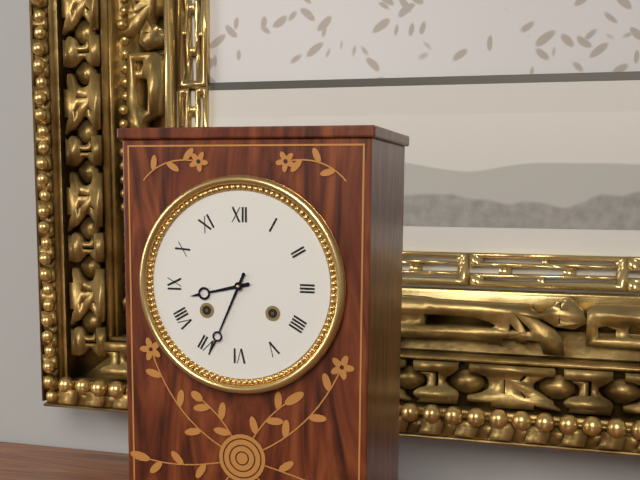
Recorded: 8,34
